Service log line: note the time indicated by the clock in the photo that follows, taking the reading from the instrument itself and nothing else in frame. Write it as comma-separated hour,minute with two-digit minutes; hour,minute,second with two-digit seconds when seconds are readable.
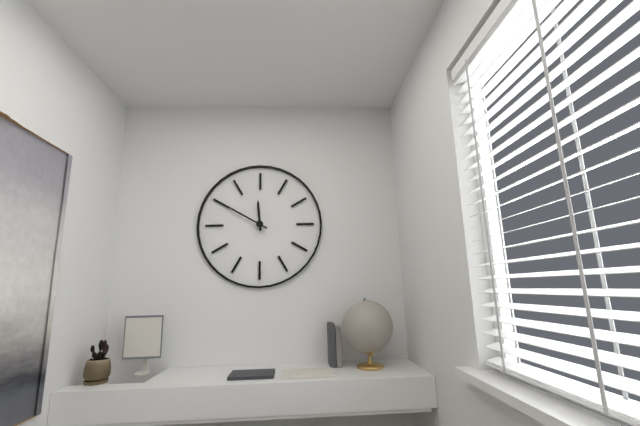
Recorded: 11,50
